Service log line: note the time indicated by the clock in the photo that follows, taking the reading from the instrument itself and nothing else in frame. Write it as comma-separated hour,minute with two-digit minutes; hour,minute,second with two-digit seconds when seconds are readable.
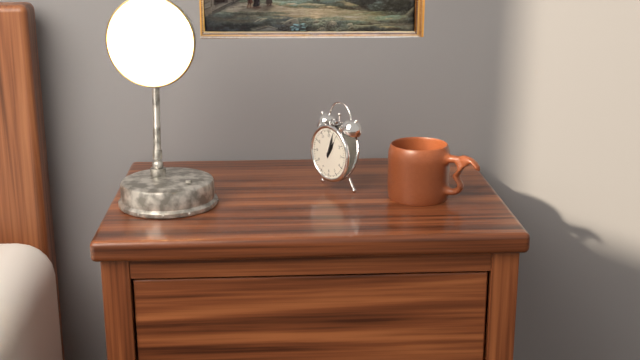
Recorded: 1,03
